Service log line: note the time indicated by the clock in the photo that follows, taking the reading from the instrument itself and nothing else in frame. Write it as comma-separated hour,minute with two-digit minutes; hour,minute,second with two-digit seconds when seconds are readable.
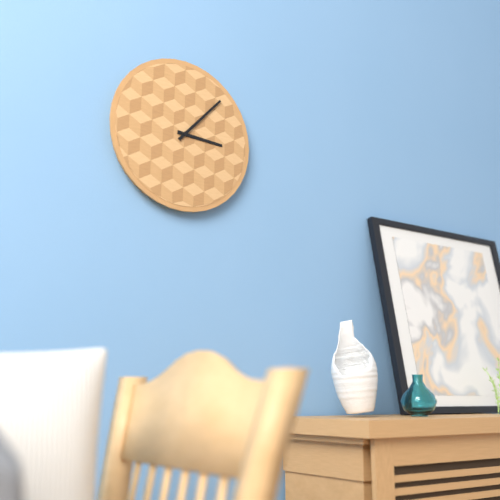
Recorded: 3,07
